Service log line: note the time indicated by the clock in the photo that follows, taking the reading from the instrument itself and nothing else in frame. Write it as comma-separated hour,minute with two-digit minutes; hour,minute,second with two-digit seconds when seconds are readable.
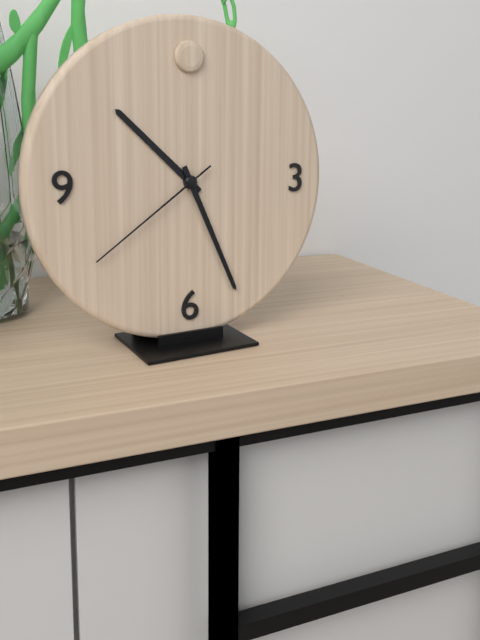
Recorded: 10,26,39
